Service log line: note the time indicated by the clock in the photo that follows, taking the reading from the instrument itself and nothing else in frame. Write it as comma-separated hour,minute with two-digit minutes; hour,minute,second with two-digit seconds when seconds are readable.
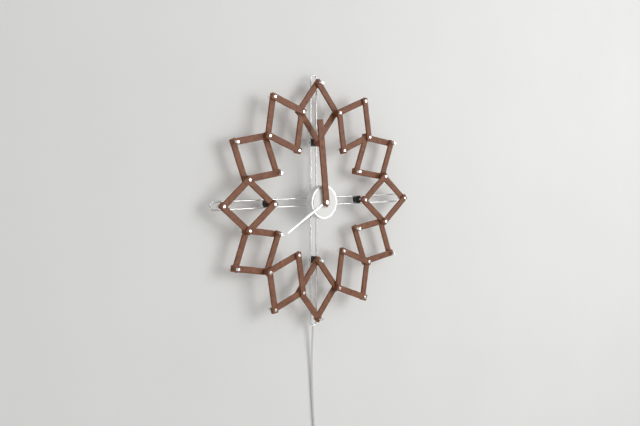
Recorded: 7,59
